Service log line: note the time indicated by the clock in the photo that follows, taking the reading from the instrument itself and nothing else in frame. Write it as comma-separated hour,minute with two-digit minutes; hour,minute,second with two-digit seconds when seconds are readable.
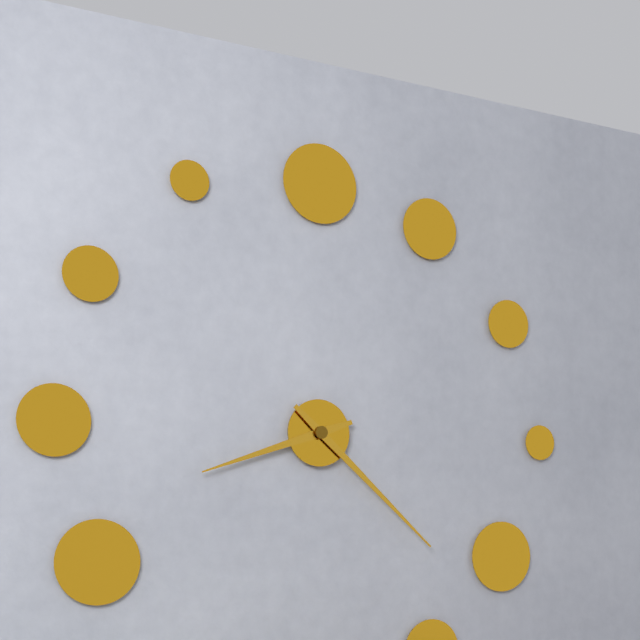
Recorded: 8,22
